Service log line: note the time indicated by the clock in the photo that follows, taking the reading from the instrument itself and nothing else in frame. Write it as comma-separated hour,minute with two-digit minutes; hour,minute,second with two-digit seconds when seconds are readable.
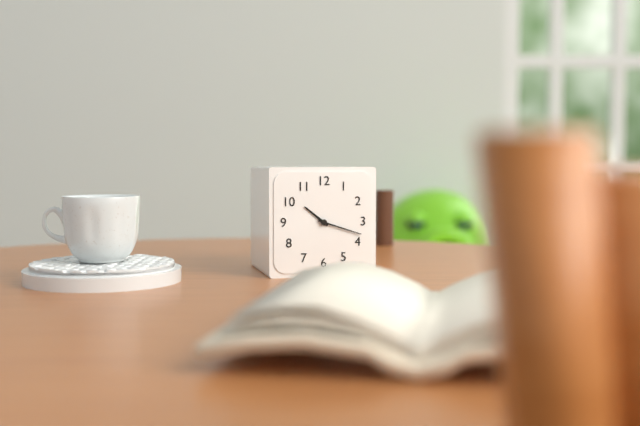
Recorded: 10,18
